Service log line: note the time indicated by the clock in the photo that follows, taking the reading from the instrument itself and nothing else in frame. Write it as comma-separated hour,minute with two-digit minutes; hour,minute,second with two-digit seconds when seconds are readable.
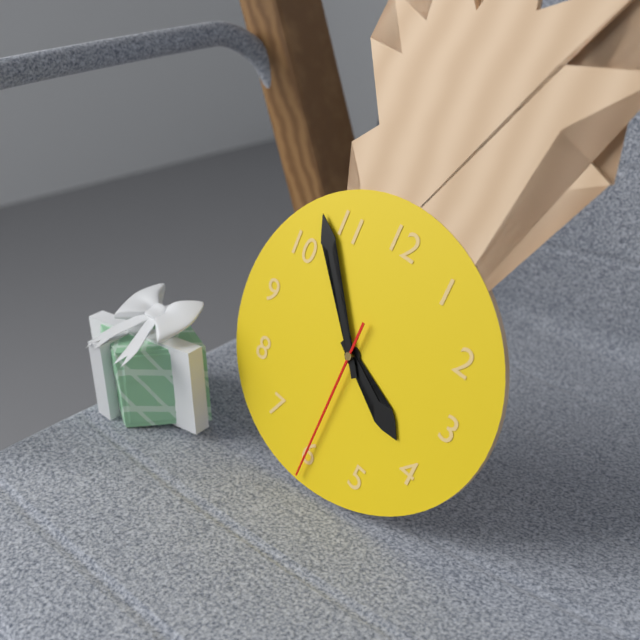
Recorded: 3,53,30
